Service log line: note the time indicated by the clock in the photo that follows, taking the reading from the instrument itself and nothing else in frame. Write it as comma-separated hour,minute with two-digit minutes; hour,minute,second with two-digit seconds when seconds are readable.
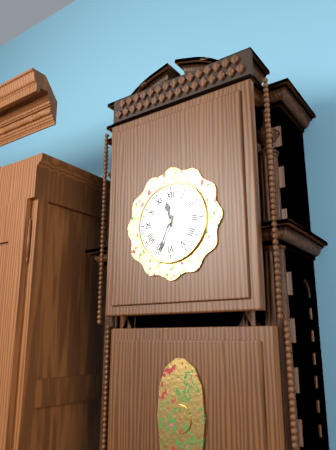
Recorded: 11,34
